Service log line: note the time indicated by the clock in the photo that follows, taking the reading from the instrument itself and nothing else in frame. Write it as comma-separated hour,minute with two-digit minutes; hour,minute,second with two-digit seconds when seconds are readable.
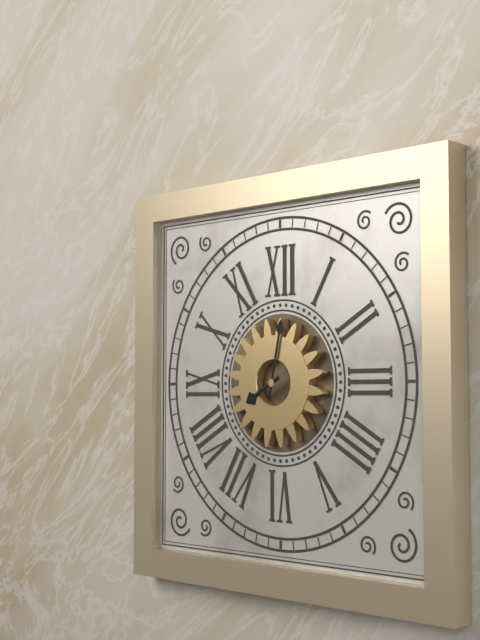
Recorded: 8,02
